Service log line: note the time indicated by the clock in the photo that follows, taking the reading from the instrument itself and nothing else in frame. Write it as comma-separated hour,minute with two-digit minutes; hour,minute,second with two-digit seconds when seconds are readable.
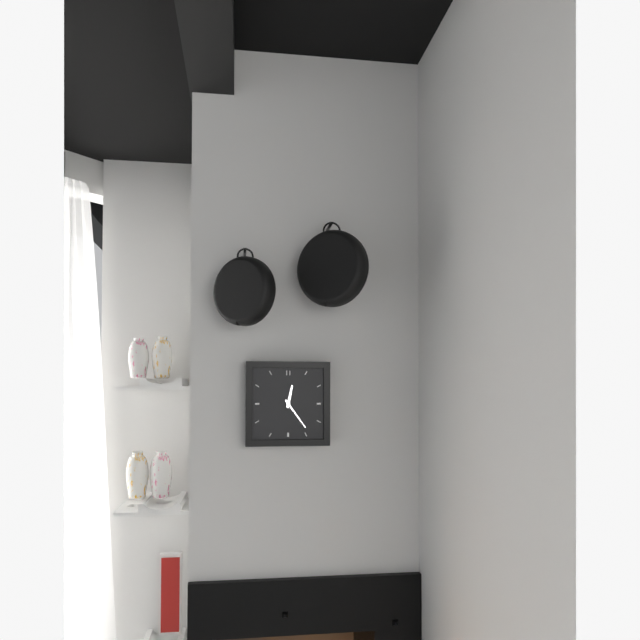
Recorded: 12,24
